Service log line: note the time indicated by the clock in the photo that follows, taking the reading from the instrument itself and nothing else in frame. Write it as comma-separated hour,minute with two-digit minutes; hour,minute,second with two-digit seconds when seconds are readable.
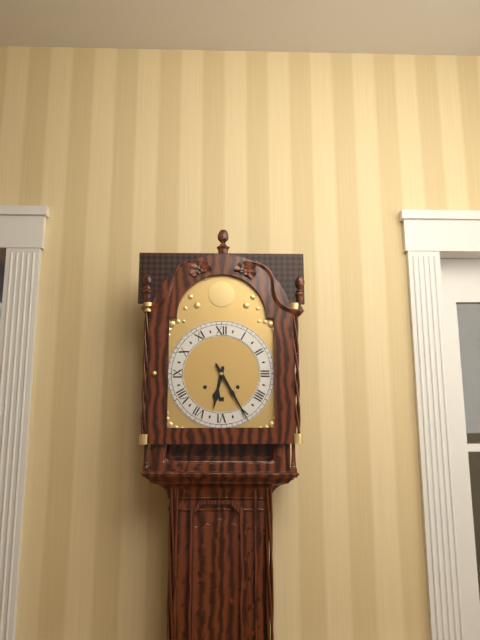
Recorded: 6,25
